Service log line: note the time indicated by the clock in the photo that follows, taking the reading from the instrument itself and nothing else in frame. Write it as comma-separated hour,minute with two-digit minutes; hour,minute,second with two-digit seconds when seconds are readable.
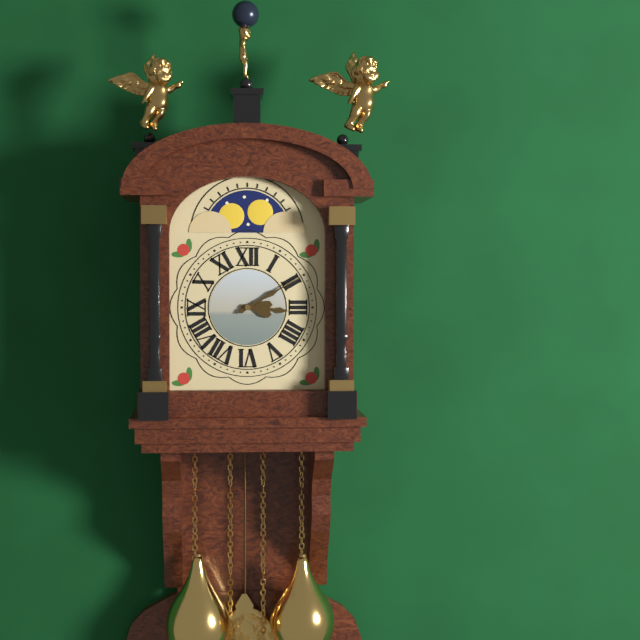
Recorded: 3,10
